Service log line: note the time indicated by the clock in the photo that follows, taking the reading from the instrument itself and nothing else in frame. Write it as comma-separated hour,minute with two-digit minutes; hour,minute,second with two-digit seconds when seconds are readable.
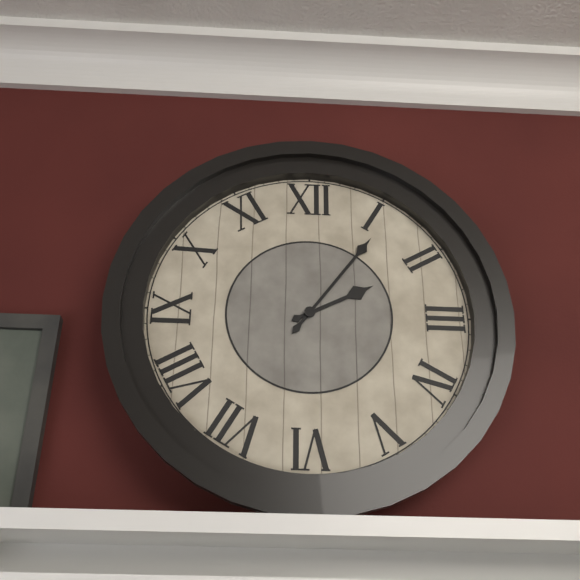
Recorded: 2,06
